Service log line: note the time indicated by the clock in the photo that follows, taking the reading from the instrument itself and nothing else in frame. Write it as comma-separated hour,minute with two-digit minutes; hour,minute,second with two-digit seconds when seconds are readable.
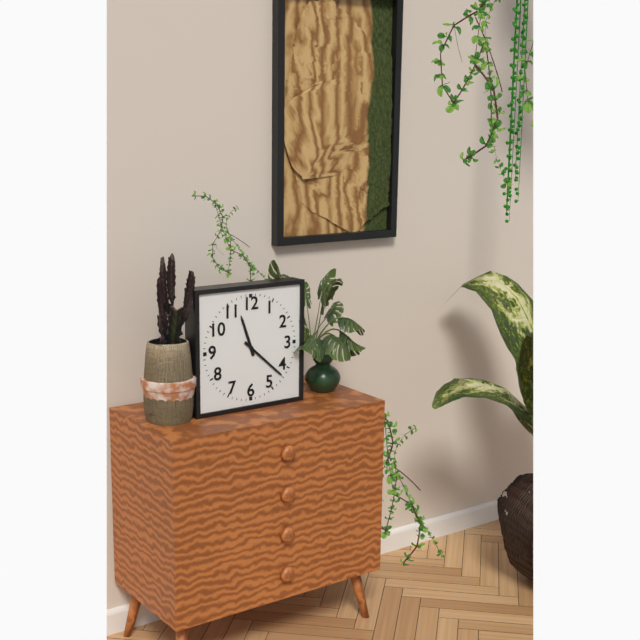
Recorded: 11,22
